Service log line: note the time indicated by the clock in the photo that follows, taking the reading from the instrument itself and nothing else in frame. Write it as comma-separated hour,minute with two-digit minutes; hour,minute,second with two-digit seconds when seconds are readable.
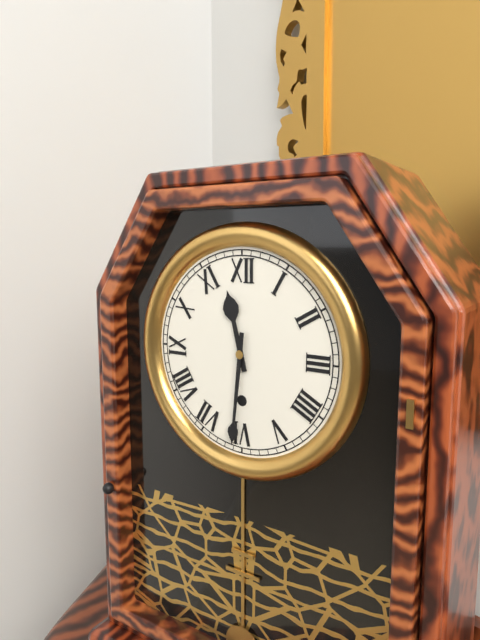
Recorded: 11,31
